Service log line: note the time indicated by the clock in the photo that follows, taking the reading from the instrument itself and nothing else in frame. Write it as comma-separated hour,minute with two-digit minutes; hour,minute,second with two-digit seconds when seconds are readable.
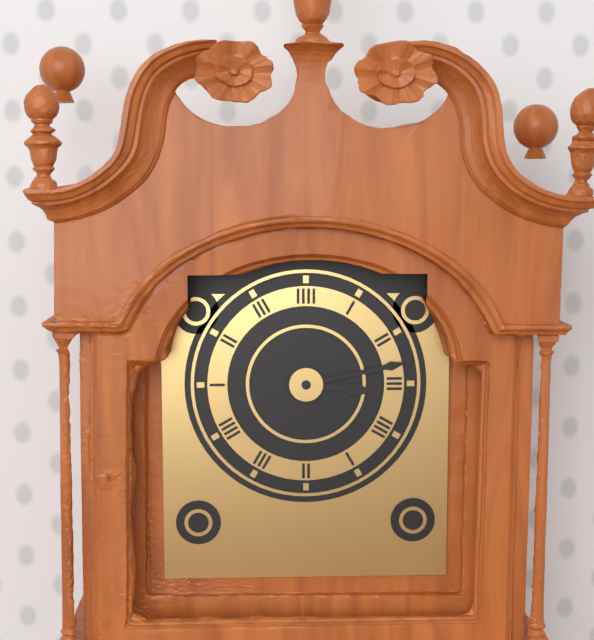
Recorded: 3,13
